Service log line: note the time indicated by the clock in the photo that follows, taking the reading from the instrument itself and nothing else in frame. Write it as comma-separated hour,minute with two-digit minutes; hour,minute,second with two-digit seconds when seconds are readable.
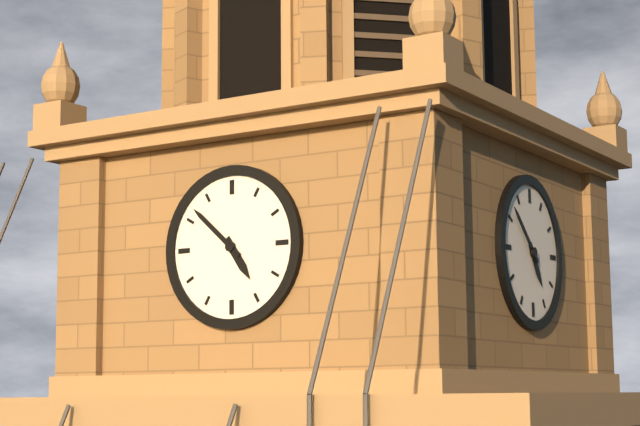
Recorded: 4,52
